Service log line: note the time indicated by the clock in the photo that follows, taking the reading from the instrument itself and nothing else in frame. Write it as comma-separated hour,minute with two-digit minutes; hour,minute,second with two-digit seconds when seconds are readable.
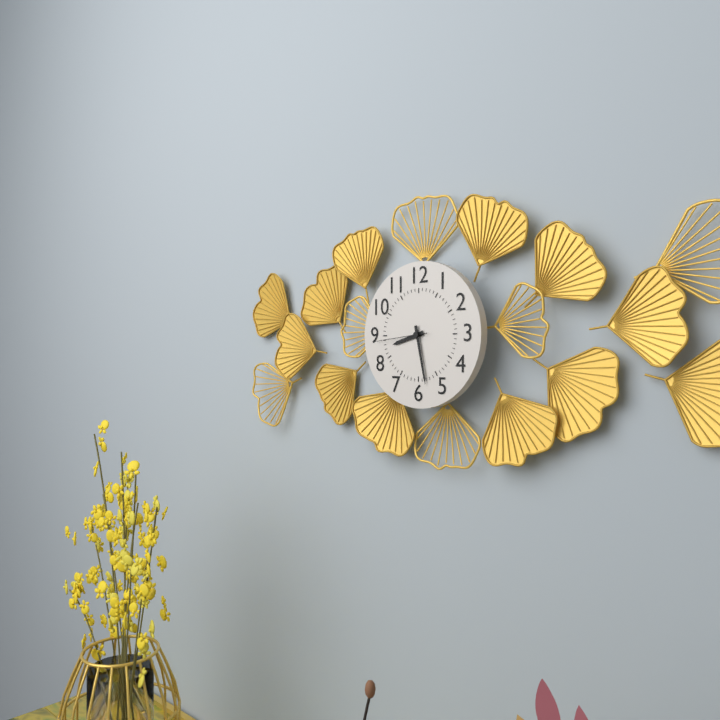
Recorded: 8,28,44
